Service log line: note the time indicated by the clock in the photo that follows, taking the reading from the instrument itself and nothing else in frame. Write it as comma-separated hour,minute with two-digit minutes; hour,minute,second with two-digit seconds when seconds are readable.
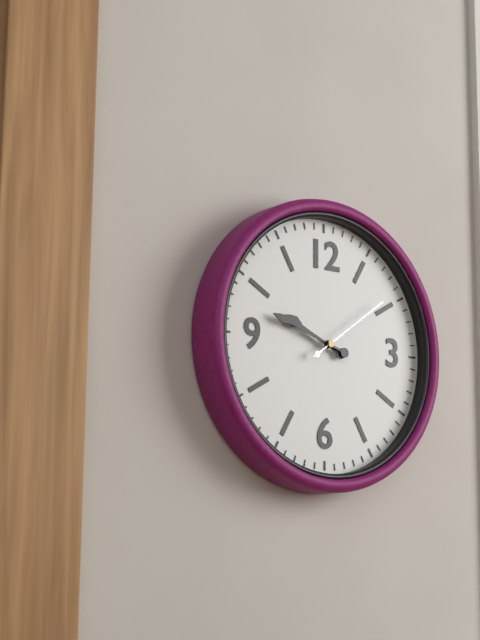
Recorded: 9,48,09
